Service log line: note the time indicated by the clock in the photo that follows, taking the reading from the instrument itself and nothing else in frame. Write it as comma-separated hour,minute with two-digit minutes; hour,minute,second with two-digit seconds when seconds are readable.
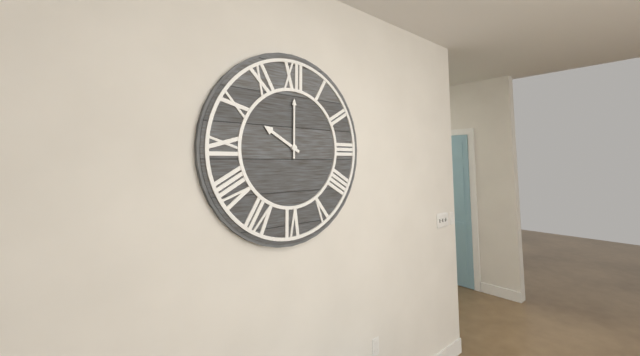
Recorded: 10,00
